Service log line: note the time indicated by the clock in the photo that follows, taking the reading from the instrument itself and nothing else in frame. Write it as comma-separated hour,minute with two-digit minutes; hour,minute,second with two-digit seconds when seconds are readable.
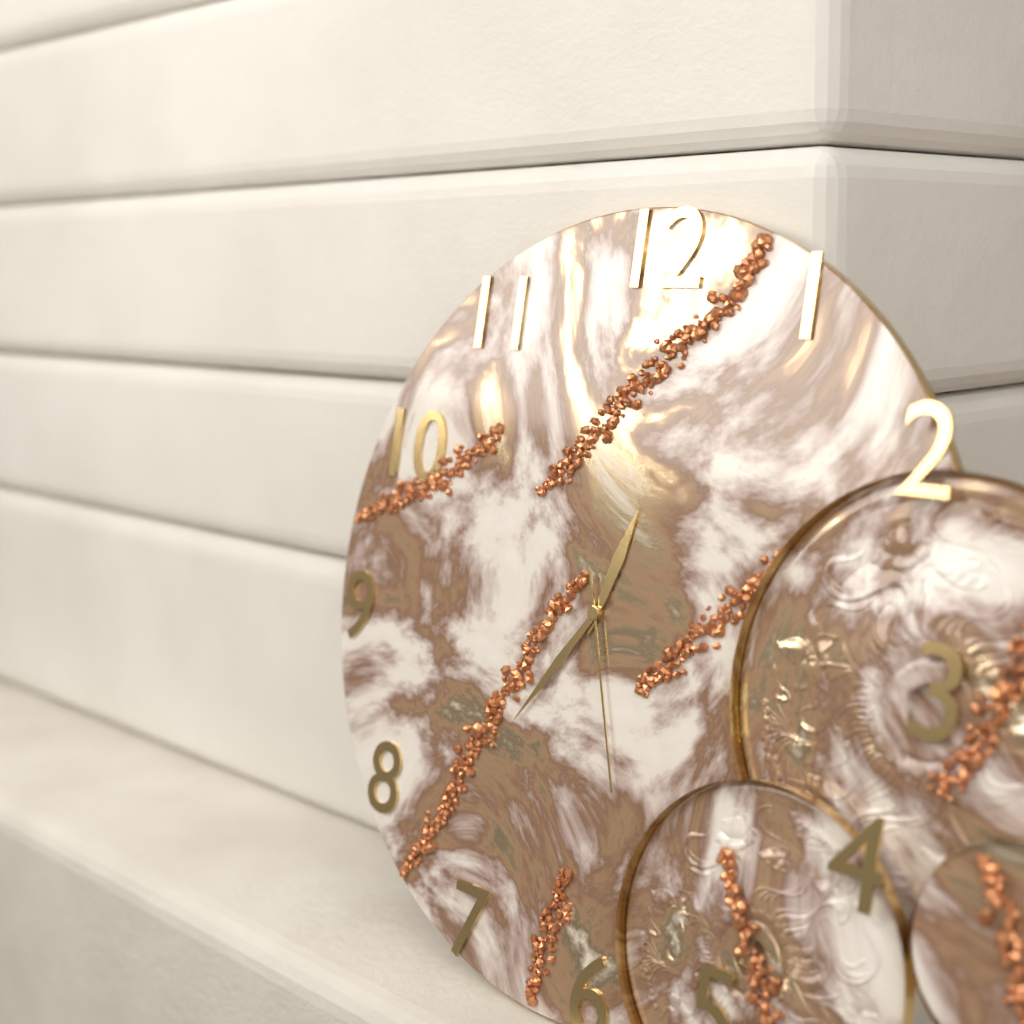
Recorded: 12,36,27
